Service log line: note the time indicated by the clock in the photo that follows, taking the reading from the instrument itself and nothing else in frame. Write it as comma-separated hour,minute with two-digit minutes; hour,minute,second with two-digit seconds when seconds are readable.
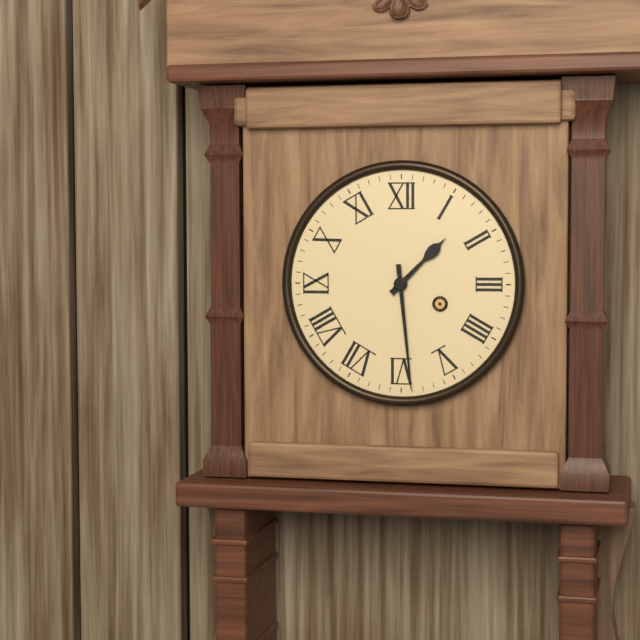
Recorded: 1,29
